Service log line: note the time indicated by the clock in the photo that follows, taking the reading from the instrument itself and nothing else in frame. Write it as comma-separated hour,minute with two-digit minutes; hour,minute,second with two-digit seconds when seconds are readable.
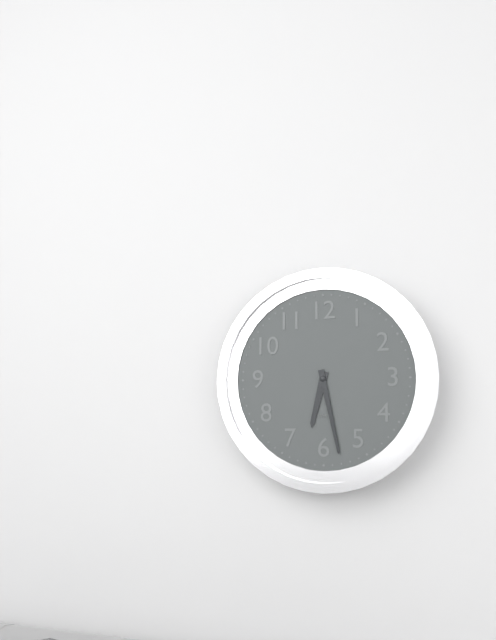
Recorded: 6,28
